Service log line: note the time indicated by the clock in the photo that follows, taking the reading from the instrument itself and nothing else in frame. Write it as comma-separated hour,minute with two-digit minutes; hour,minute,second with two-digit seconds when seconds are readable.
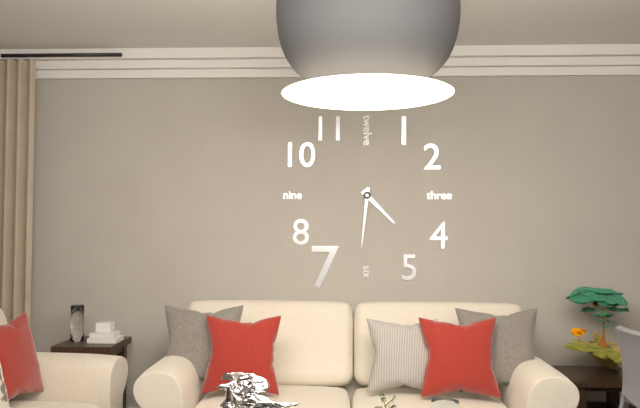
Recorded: 4,31
